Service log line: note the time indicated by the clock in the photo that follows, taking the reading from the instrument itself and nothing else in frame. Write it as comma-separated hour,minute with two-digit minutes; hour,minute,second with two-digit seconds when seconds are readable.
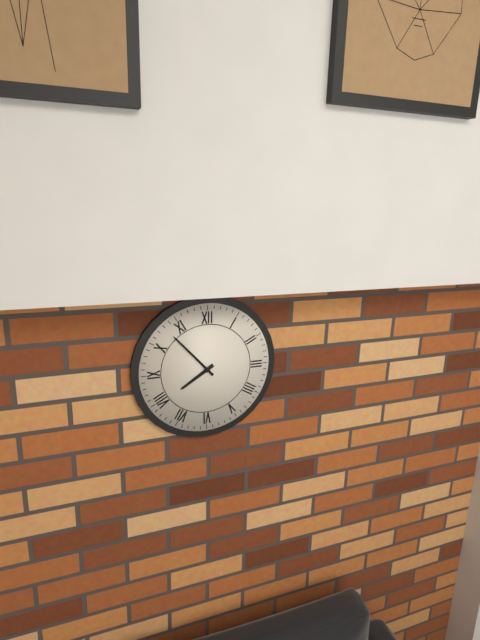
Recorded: 7,53
